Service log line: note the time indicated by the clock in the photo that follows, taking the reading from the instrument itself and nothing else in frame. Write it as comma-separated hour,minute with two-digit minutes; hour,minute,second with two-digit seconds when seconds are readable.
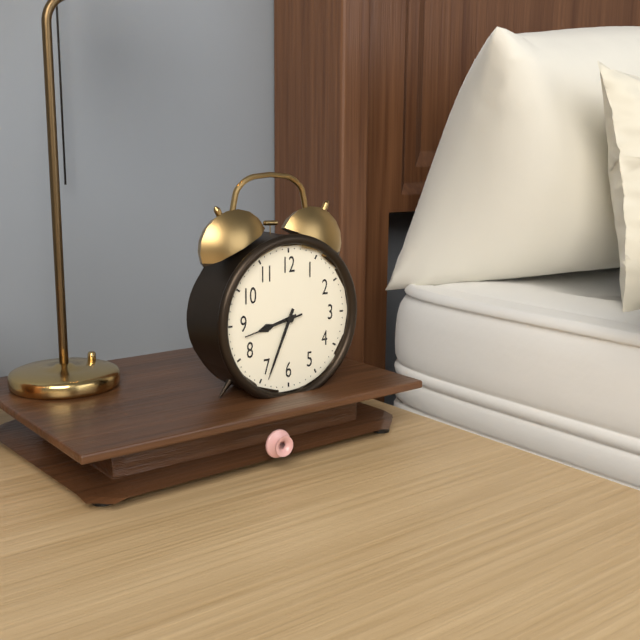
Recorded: 8,34,43
